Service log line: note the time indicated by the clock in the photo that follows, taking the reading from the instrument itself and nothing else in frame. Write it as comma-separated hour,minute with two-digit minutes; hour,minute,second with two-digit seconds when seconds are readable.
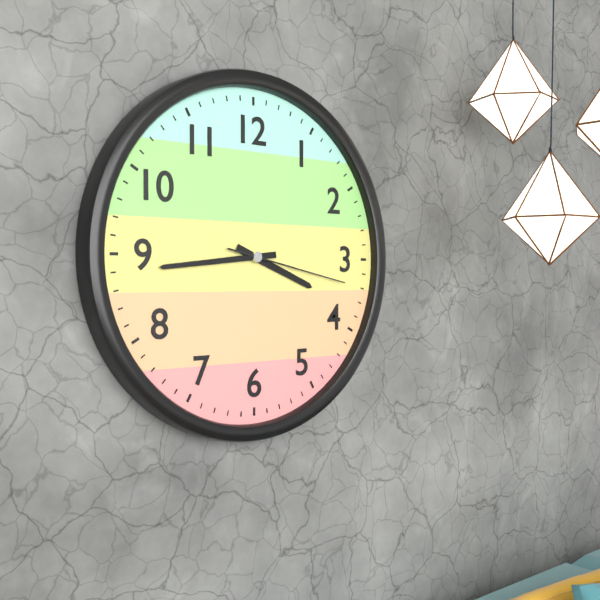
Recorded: 3,44,17
